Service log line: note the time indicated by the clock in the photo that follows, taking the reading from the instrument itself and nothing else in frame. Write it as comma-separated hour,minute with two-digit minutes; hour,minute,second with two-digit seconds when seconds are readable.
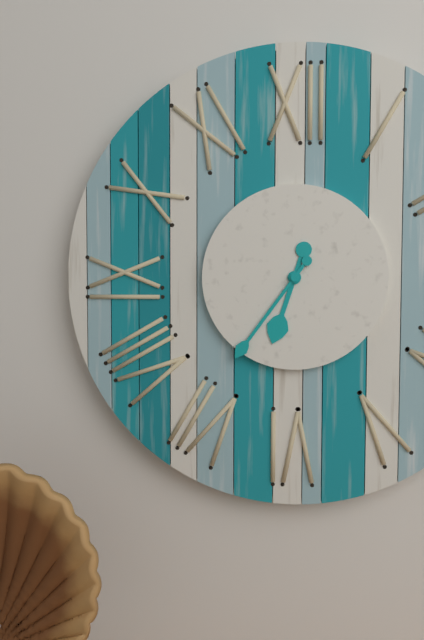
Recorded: 6,36
